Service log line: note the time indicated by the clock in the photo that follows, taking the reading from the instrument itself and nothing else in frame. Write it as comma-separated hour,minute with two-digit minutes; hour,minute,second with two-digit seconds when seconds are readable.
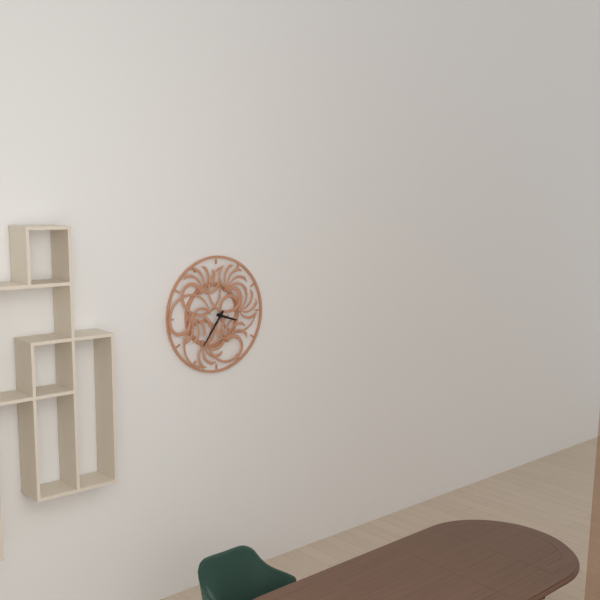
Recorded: 3,36
